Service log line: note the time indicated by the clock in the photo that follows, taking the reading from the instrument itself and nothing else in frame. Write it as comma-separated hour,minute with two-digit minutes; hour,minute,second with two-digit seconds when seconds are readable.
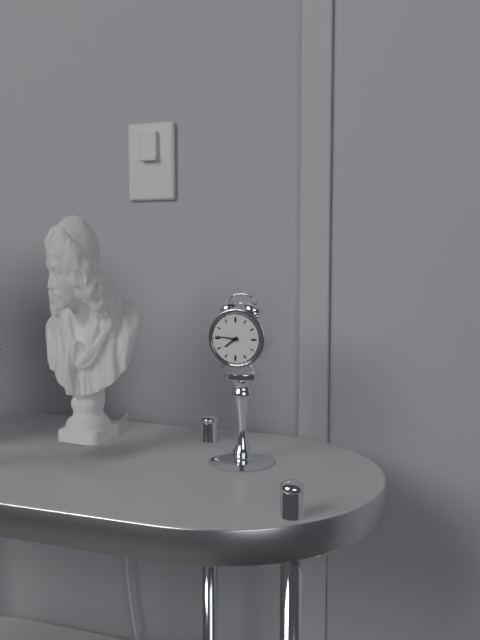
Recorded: 7,46
